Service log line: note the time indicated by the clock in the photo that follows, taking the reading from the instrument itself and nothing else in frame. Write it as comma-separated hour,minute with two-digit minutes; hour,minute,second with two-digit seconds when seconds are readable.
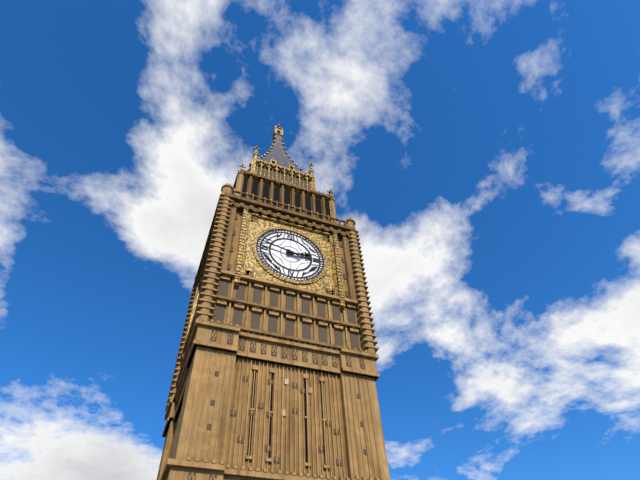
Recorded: 2,47
